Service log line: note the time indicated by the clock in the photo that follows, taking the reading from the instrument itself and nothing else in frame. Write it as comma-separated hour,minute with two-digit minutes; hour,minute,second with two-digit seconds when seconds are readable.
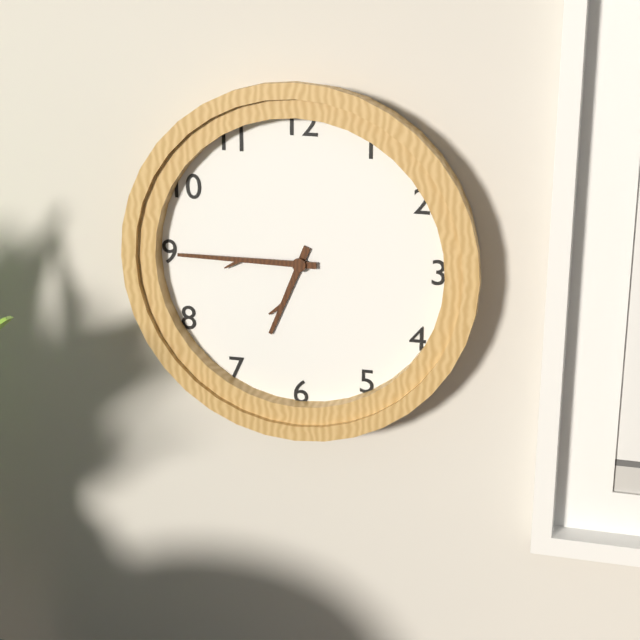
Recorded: 6,45
